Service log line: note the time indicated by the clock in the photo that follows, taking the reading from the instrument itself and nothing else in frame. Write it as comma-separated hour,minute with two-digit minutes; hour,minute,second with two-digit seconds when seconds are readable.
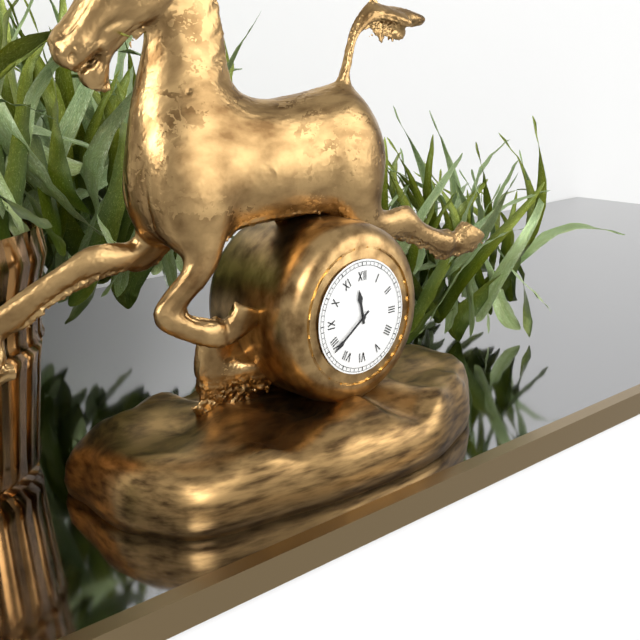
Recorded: 11,39
